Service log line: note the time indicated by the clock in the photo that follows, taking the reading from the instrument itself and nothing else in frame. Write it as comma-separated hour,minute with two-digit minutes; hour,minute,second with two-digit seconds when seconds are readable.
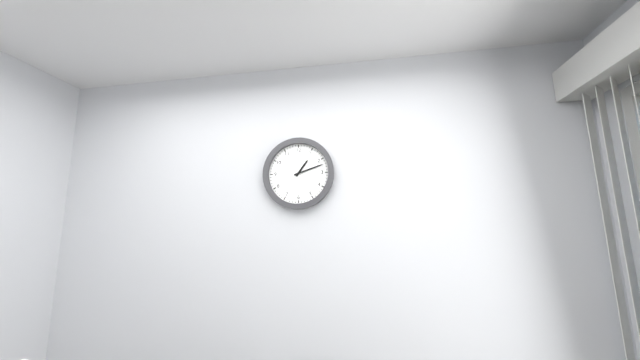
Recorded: 1,12
